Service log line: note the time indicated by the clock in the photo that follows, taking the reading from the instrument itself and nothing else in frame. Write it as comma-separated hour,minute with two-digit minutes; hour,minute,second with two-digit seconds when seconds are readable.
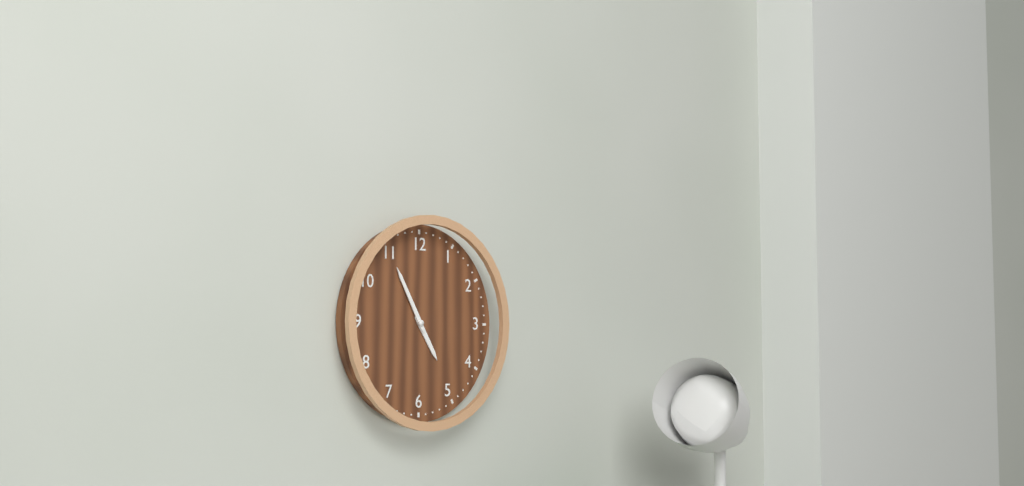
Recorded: 4,55
